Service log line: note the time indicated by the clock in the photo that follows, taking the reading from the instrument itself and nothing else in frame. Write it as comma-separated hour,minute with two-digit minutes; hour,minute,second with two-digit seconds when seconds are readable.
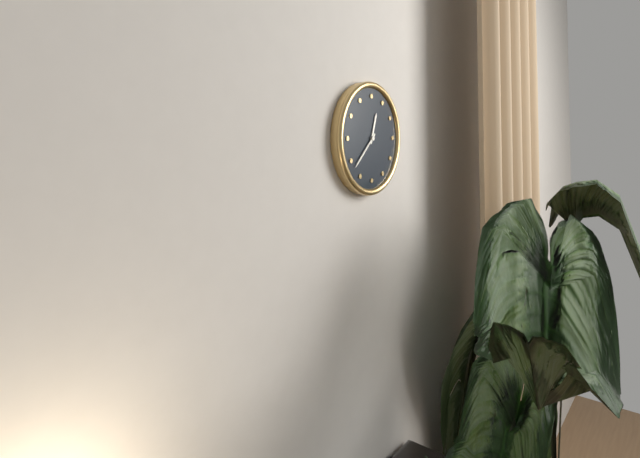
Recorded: 12,38
